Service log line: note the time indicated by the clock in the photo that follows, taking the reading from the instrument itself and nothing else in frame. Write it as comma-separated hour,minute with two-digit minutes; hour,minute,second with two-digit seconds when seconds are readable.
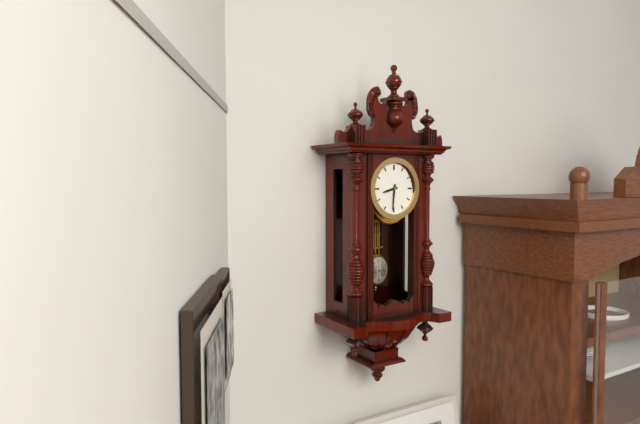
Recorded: 8,31
